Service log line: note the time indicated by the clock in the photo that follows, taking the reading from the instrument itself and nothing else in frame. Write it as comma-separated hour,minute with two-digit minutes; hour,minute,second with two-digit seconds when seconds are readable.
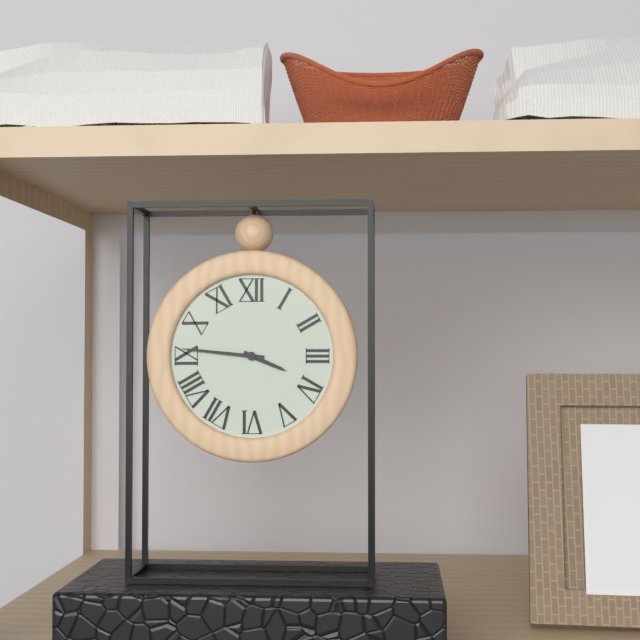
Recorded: 3,46
